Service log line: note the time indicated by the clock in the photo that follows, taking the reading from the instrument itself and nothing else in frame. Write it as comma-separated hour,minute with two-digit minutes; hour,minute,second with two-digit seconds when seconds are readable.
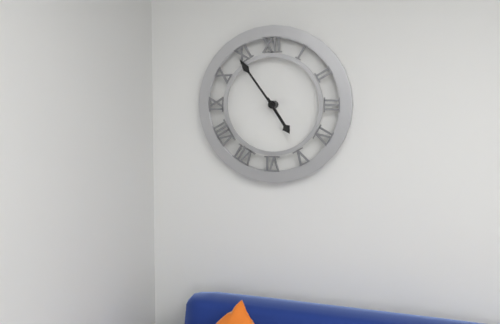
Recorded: 4,54
